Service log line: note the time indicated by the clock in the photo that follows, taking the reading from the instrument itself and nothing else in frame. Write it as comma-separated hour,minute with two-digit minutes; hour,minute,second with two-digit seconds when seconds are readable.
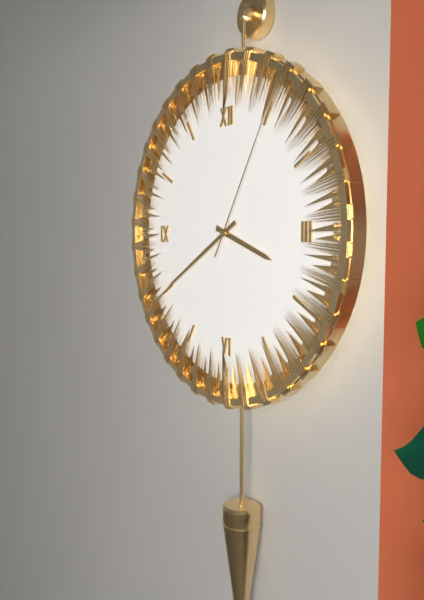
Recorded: 3,40,05
